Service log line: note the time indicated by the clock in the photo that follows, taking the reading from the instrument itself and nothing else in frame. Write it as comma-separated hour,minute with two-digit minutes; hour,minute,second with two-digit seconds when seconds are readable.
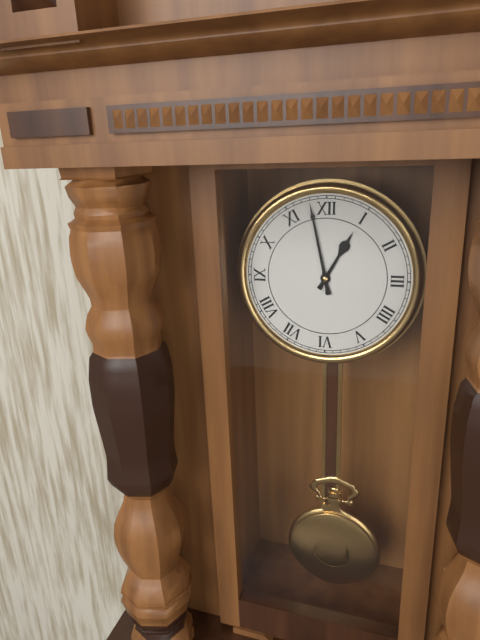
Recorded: 12,58
